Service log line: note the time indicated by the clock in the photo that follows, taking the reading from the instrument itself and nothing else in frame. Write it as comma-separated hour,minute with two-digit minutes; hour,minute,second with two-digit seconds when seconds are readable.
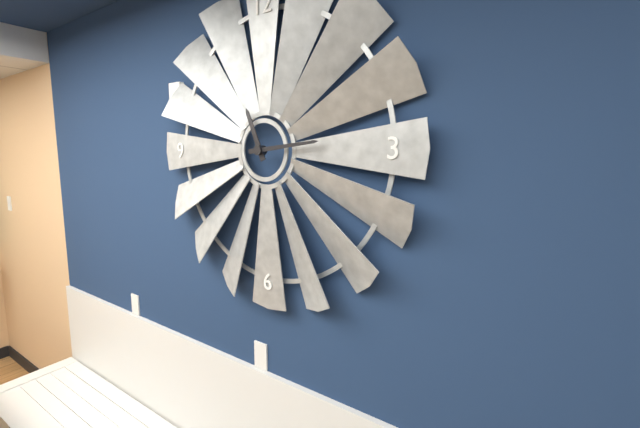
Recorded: 11,14
